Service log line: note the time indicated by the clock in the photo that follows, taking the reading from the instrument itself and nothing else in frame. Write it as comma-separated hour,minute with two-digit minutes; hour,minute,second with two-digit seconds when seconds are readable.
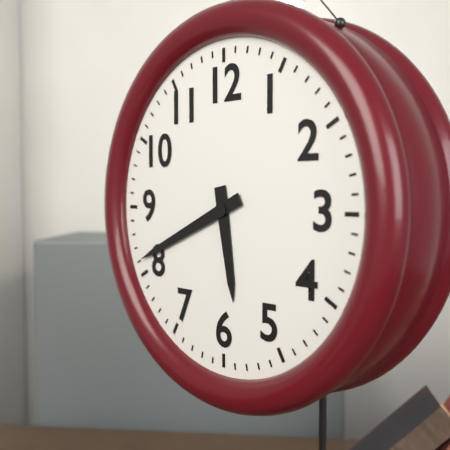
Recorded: 5,41
